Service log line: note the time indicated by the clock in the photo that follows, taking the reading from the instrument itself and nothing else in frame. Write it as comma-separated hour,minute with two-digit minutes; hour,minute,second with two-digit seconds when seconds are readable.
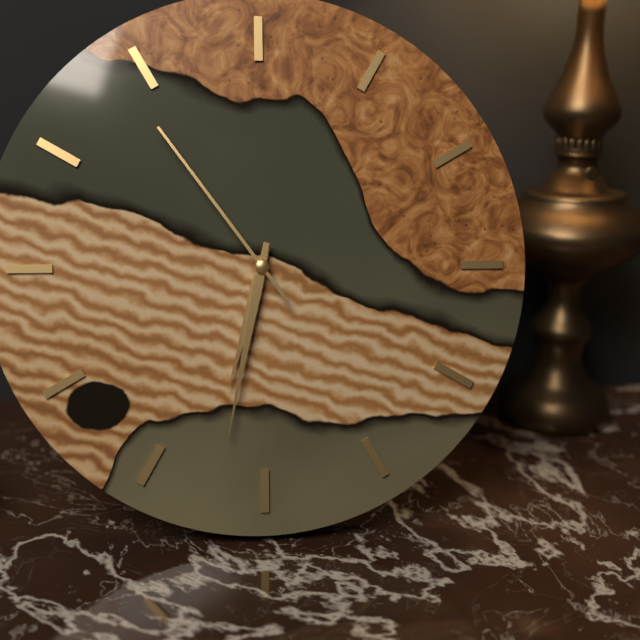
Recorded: 6,32,54
